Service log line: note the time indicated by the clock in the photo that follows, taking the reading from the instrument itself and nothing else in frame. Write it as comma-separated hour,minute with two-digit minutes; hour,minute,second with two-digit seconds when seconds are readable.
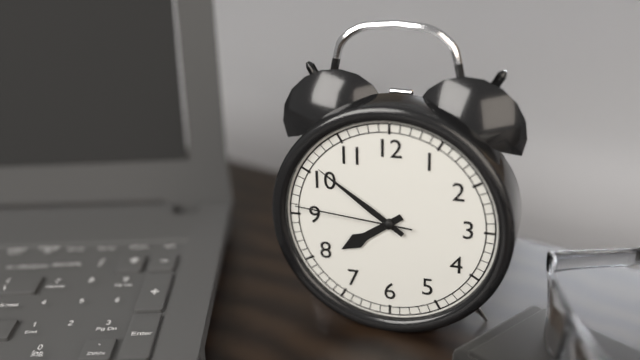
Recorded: 7,51,46
